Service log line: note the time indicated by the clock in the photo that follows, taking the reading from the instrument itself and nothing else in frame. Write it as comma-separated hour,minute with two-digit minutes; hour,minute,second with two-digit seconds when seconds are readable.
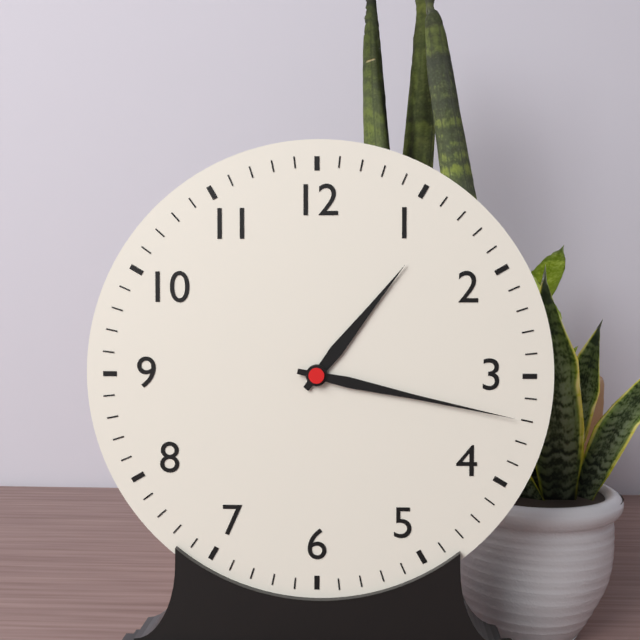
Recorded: 1,17
